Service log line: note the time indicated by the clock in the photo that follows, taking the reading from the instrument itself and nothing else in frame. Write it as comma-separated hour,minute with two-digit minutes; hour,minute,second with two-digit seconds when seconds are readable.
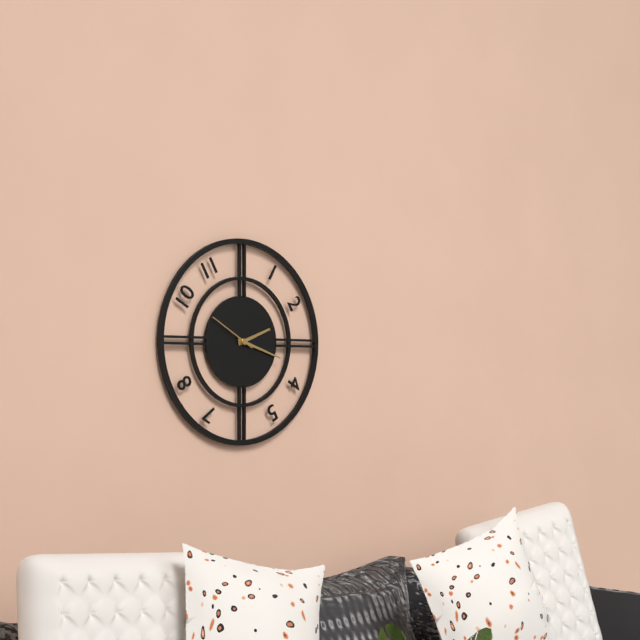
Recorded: 2,18
